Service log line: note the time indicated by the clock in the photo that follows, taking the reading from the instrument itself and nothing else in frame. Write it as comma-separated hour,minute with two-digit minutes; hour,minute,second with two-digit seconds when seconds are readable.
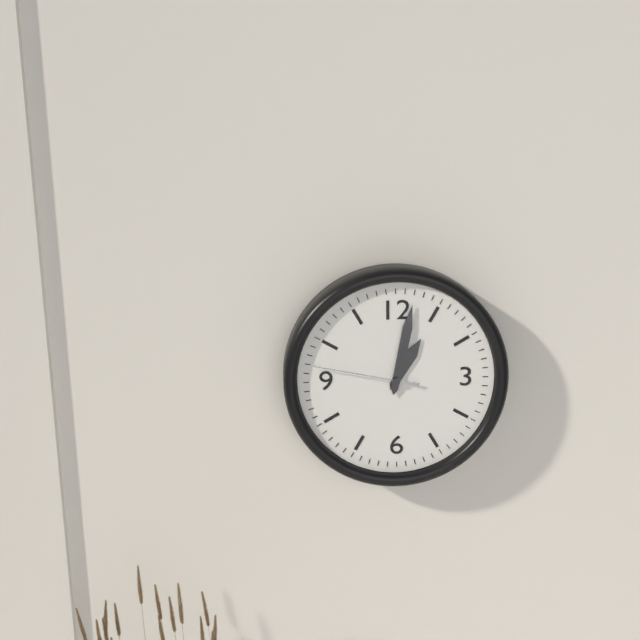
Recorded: 1,02,47
